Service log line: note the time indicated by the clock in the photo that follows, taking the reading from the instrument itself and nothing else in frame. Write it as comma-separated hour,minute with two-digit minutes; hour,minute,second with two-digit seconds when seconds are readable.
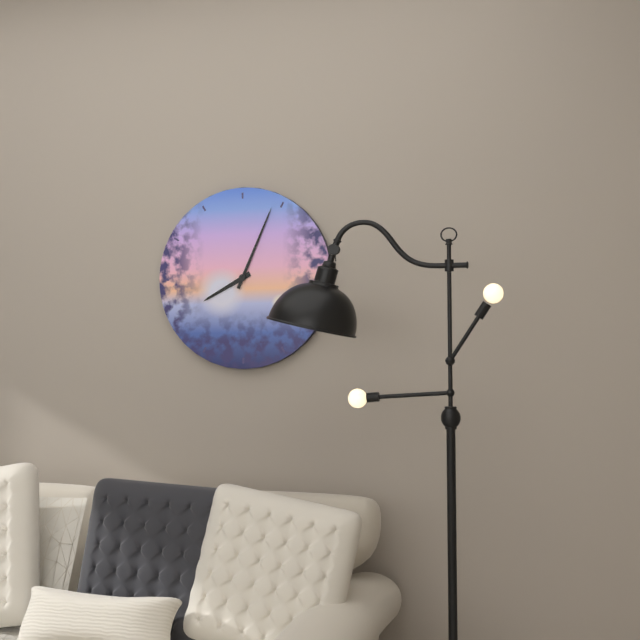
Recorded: 8,04
